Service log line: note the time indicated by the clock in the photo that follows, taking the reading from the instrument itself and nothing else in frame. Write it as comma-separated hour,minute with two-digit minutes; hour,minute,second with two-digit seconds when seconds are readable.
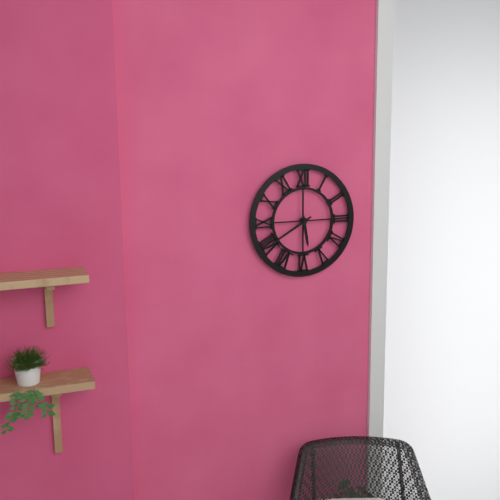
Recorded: 5,40
